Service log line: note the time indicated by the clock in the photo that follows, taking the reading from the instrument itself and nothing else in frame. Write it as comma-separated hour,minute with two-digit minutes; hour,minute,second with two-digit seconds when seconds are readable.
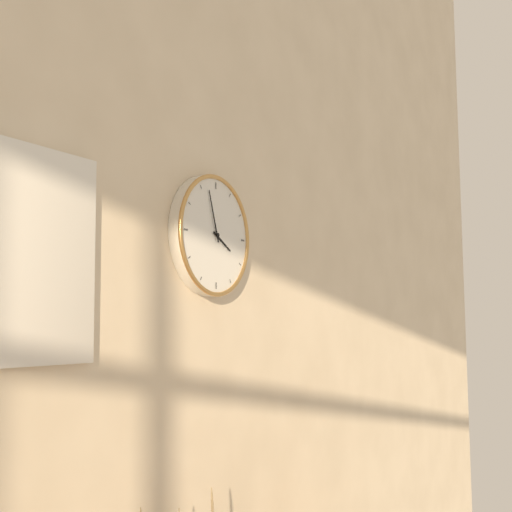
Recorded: 3,57
